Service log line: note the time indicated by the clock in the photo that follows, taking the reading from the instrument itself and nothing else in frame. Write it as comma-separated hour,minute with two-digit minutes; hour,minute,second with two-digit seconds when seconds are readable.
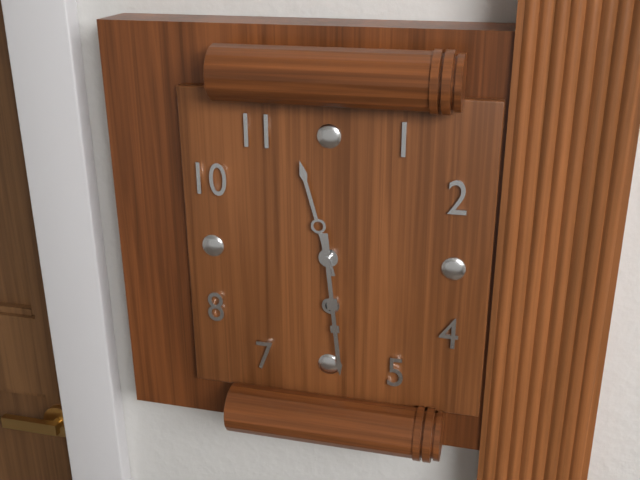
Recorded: 11,29
